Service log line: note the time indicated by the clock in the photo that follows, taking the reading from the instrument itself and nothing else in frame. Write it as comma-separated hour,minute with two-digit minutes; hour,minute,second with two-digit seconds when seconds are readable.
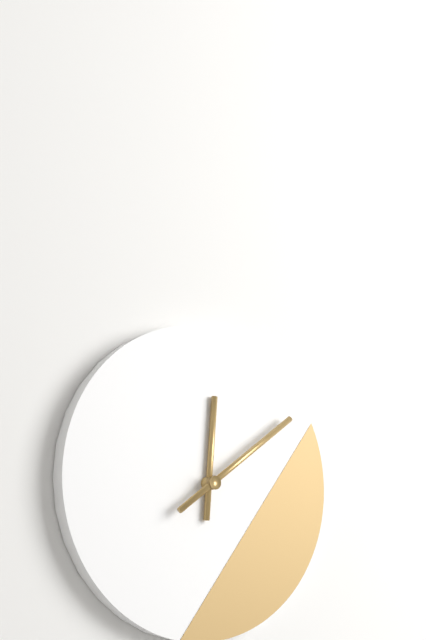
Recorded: 12,09
